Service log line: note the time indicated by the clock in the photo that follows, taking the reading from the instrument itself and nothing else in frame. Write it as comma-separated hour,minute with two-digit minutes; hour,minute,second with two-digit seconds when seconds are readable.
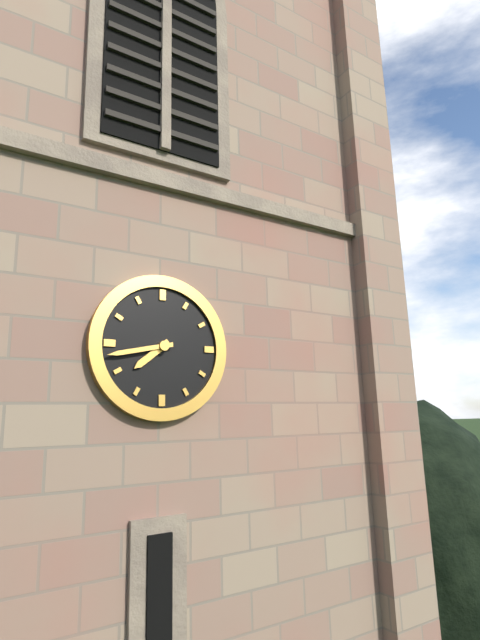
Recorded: 7,43
